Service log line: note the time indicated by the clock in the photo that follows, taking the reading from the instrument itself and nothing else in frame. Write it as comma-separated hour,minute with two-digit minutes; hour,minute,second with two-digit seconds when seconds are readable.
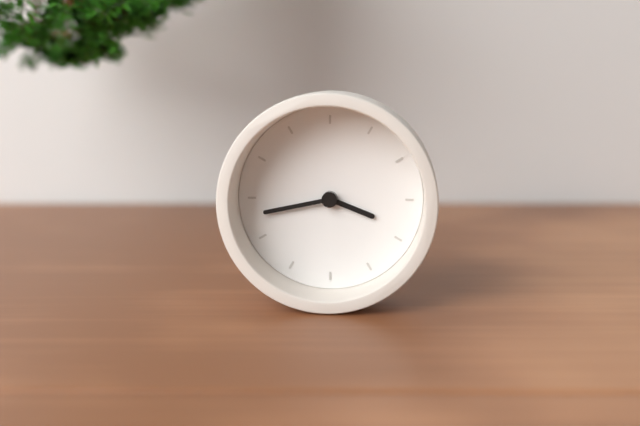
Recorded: 3,43
